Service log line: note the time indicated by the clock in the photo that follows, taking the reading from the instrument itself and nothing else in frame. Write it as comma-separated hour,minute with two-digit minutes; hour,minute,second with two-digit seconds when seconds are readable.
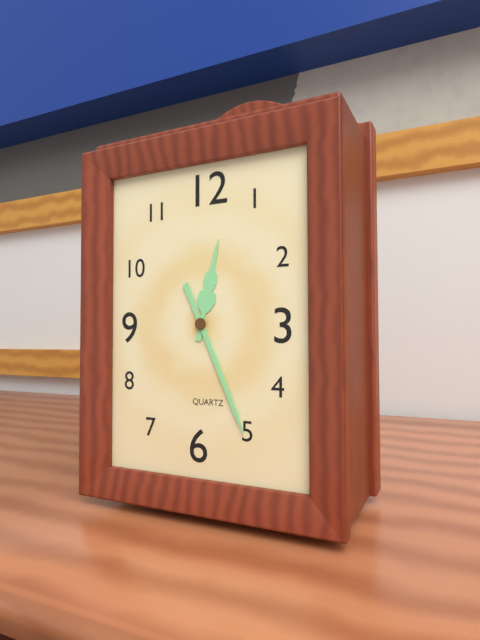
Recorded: 12,26
